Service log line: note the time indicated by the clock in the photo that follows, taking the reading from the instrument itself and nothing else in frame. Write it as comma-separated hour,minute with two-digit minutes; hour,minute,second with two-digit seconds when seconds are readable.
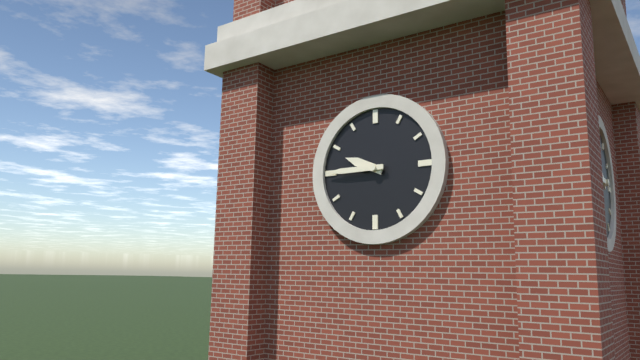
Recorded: 9,45
